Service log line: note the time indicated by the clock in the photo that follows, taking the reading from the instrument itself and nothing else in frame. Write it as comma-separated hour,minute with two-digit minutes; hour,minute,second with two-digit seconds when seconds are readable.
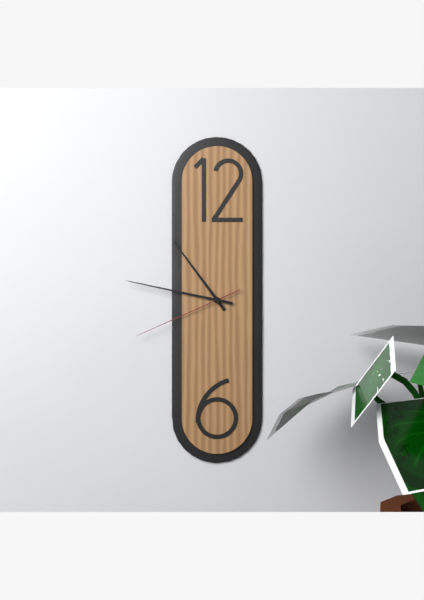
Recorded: 10,47,41
